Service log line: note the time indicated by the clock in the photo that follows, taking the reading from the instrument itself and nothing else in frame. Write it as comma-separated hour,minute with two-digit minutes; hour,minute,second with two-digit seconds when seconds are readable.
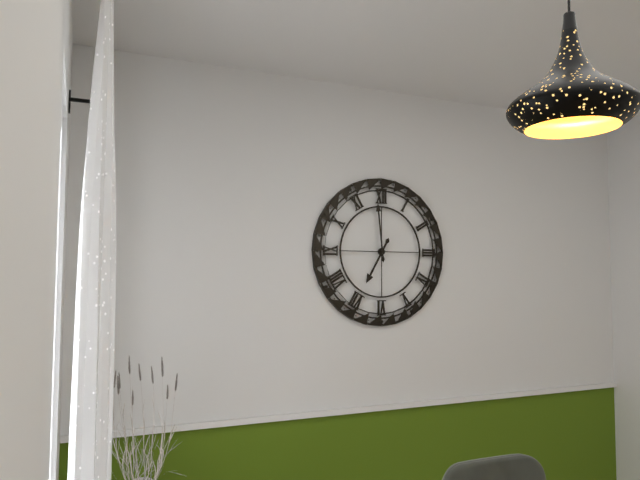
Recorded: 6,59
